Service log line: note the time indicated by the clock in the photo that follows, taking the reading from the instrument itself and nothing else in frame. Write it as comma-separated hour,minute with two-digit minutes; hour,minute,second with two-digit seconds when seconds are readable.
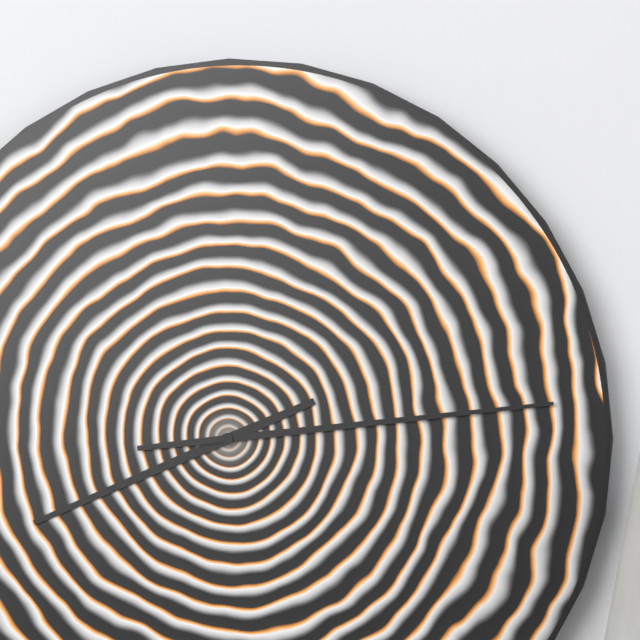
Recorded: 8,14
